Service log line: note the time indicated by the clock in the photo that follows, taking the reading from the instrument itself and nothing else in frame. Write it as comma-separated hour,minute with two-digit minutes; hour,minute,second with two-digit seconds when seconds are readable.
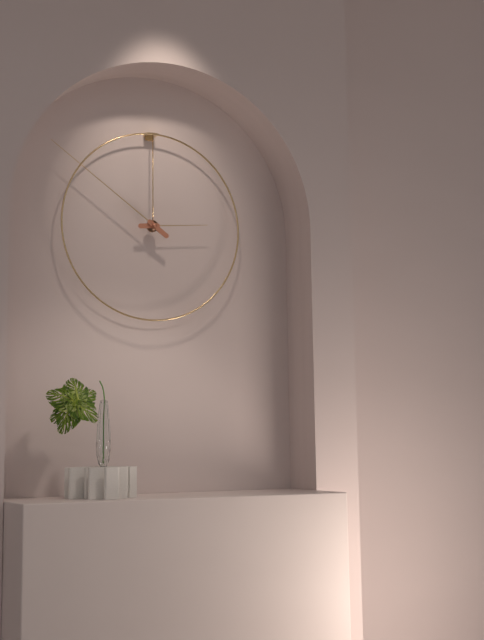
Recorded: 2,51
